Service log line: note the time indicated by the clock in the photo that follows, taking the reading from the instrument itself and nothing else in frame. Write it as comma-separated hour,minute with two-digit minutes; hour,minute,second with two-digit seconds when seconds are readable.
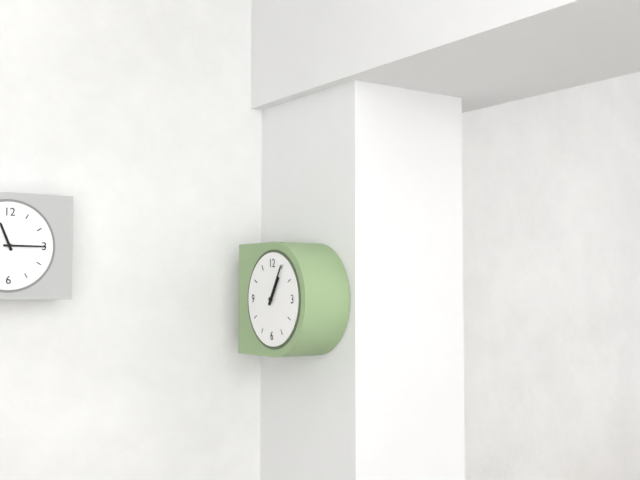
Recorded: 1,05
